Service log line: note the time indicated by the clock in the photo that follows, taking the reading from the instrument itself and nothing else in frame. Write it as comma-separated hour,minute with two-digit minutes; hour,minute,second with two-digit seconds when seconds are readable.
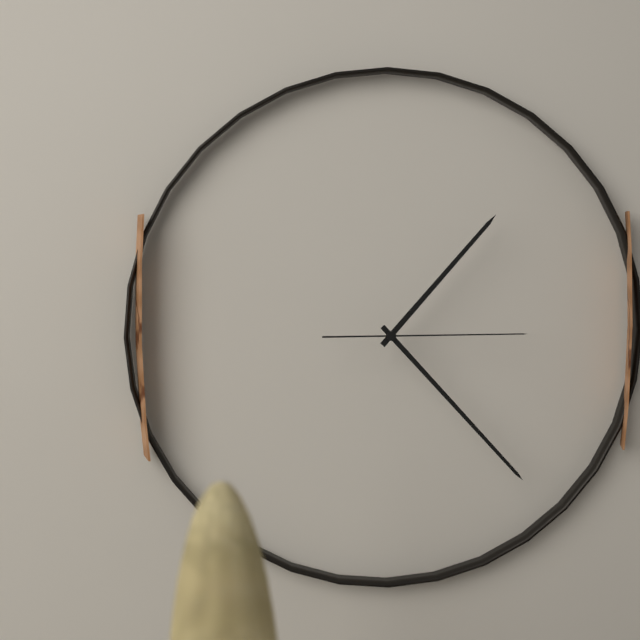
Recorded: 1,23,15
